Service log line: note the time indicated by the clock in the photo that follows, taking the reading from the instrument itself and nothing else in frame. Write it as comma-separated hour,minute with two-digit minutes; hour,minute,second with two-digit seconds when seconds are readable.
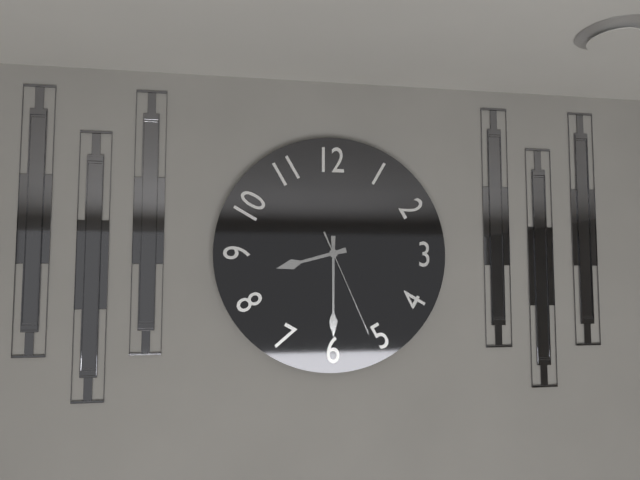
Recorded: 8,30,26
